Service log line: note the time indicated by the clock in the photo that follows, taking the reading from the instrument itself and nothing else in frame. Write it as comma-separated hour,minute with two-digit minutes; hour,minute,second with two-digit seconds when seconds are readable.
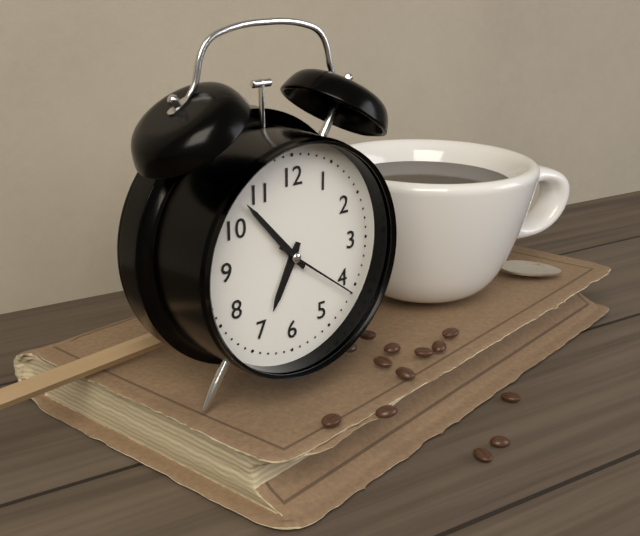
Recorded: 6,53,21
